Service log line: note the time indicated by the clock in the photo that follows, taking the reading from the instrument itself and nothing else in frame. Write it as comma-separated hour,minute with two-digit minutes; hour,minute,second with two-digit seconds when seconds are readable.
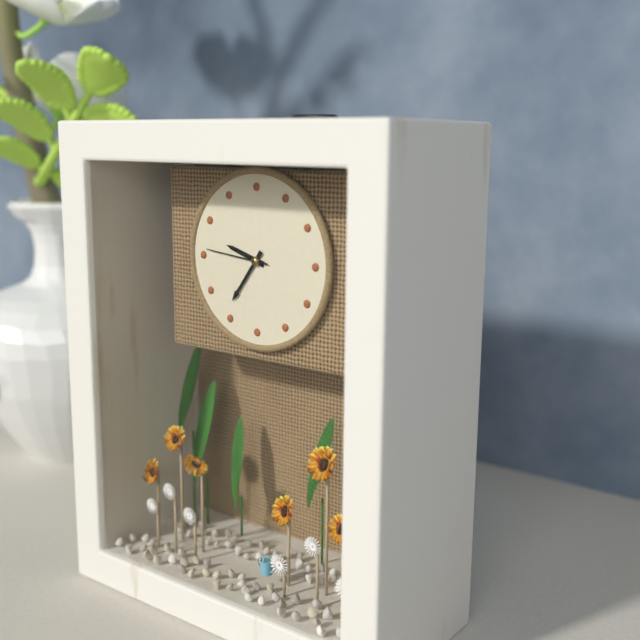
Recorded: 9,36,46
